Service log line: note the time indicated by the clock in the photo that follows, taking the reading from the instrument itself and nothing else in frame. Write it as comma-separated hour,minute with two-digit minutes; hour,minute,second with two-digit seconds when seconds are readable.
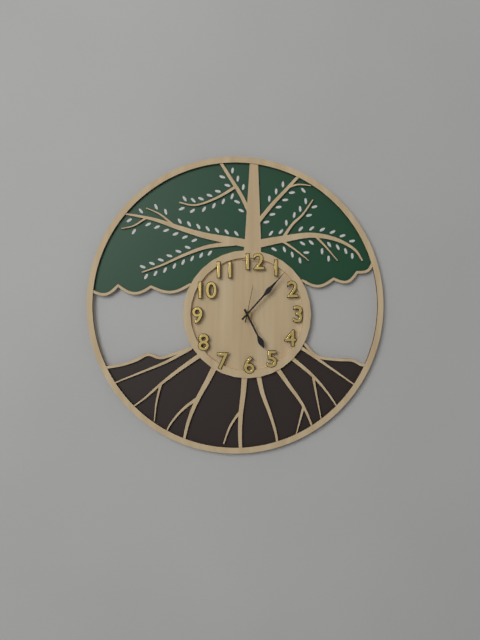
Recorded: 5,07
